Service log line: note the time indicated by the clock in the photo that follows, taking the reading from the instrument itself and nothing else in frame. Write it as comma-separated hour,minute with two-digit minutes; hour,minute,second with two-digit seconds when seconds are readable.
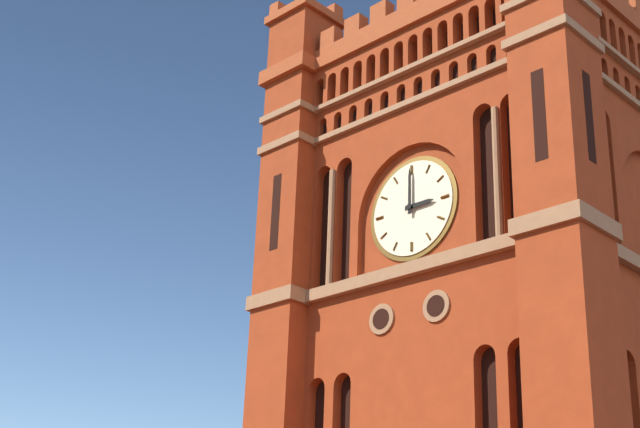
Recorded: 3,00
